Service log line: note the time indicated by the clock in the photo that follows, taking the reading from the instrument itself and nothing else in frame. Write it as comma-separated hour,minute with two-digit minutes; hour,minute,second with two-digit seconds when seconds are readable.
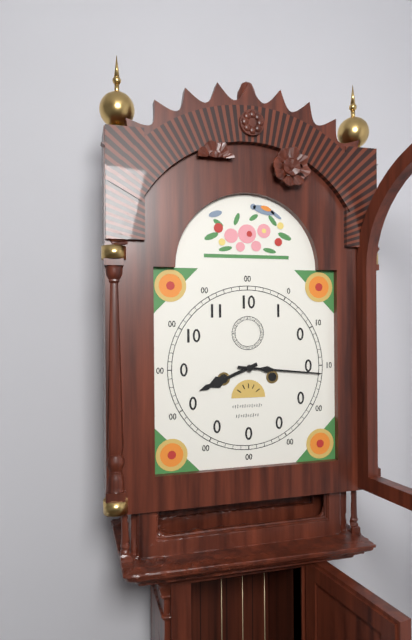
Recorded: 8,16
